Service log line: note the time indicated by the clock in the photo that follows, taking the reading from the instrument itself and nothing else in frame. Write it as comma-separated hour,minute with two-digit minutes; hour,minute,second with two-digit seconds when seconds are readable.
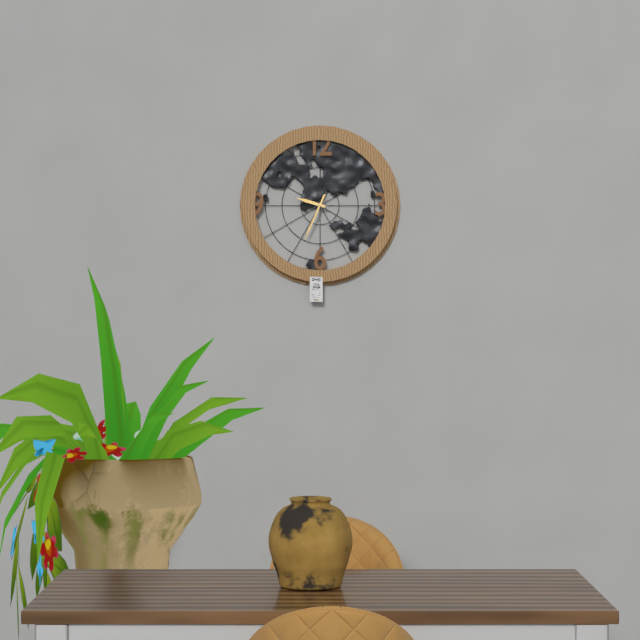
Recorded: 9,34
